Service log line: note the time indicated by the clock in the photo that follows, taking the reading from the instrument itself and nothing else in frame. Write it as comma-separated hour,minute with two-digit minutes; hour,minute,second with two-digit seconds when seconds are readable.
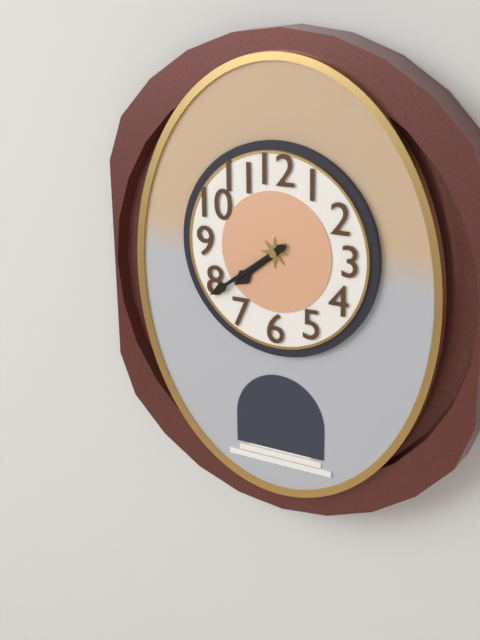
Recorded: 7,39
